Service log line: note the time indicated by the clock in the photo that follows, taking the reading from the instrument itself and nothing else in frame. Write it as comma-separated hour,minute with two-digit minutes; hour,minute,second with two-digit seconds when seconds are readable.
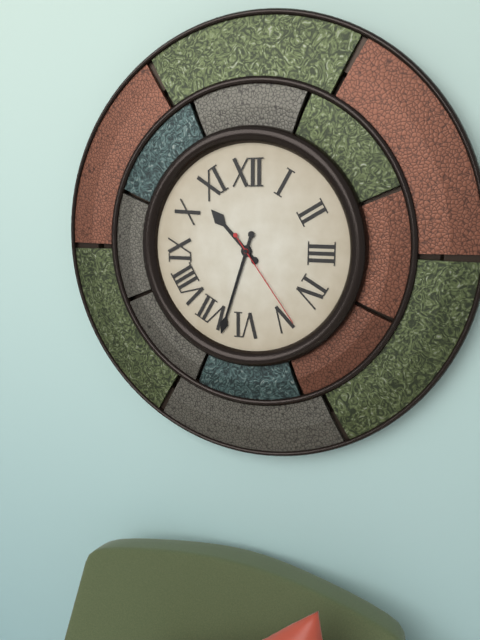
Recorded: 10,33,24
